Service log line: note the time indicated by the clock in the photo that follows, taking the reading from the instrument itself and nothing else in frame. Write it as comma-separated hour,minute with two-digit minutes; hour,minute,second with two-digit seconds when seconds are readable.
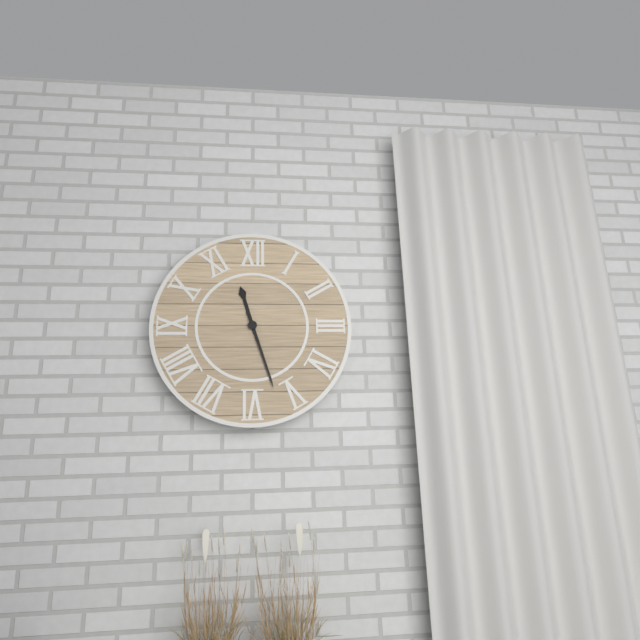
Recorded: 11,27
